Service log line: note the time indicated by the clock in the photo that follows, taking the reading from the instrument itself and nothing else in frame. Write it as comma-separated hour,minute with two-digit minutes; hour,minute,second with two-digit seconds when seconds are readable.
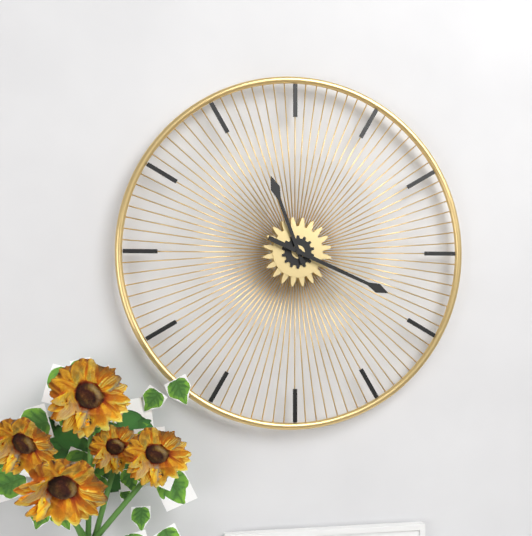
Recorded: 11,19
